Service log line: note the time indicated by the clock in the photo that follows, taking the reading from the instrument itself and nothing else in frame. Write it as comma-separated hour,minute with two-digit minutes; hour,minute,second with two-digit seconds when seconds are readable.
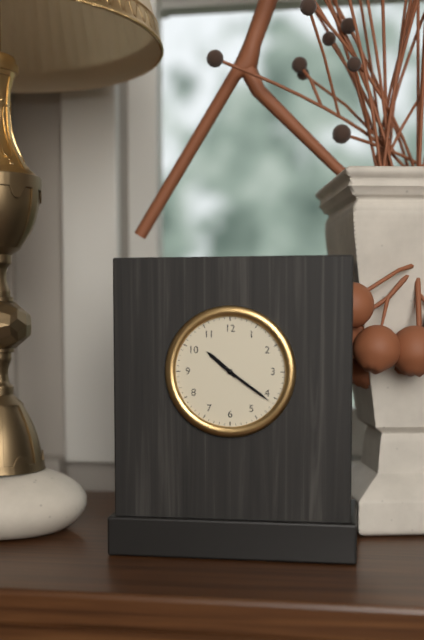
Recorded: 10,21
